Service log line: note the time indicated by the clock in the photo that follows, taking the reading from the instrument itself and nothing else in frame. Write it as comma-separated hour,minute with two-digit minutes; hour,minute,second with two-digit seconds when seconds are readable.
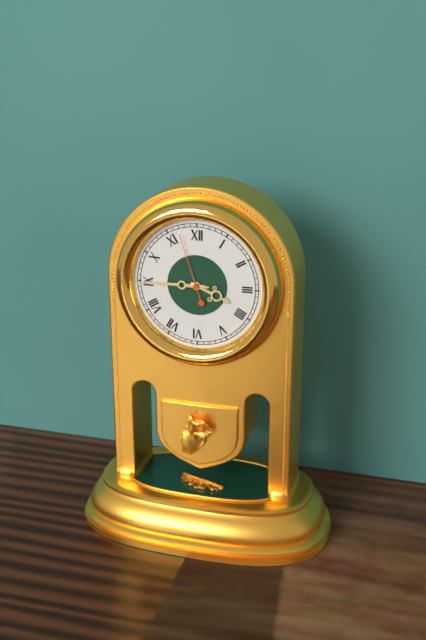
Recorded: 3,45,57
